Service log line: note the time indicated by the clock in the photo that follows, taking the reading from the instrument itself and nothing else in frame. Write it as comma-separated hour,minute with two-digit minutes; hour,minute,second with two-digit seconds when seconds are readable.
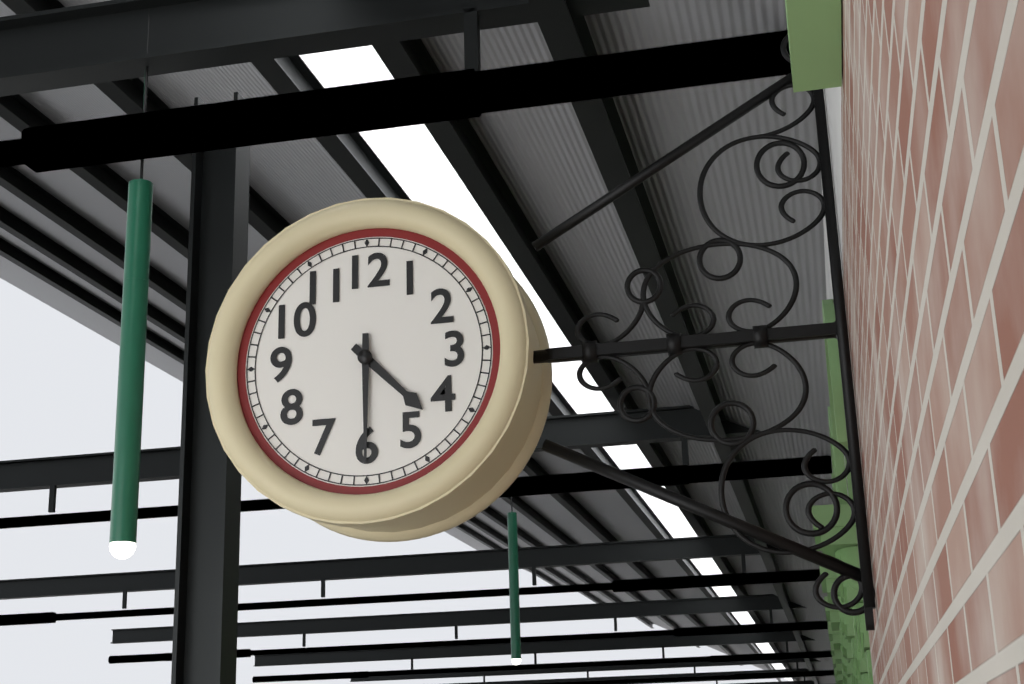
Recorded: 4,30
